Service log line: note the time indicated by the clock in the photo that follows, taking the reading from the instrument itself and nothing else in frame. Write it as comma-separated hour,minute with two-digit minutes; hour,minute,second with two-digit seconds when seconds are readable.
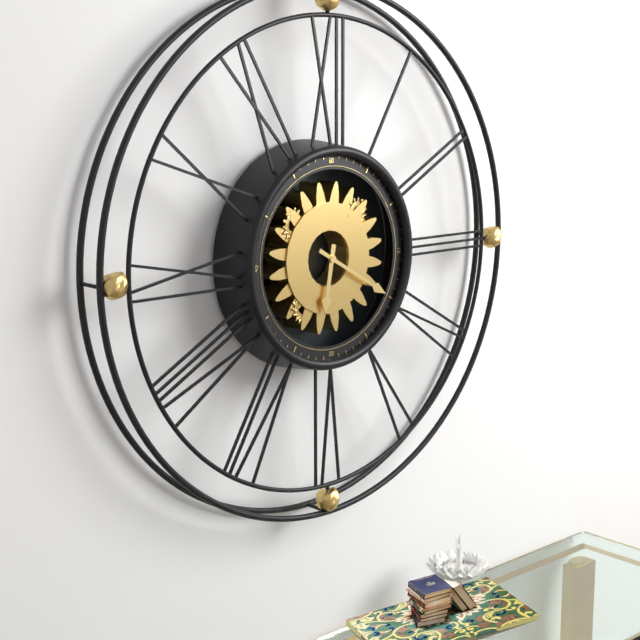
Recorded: 6,20
